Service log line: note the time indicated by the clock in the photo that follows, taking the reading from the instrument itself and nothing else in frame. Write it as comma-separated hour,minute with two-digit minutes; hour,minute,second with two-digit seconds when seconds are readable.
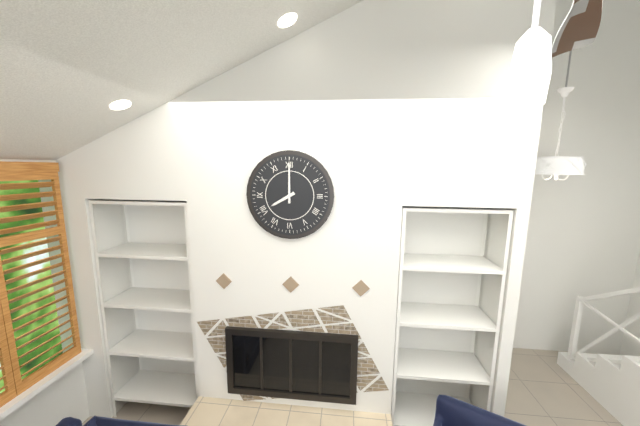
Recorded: 8,00
